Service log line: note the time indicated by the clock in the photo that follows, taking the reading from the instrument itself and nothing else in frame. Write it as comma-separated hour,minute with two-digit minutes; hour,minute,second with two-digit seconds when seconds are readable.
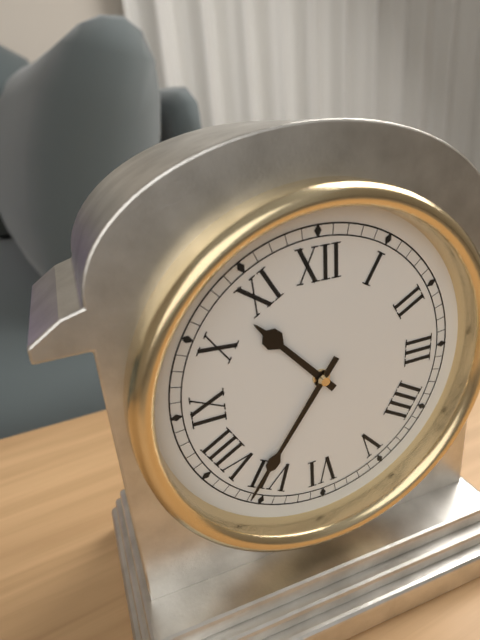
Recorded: 10,36
